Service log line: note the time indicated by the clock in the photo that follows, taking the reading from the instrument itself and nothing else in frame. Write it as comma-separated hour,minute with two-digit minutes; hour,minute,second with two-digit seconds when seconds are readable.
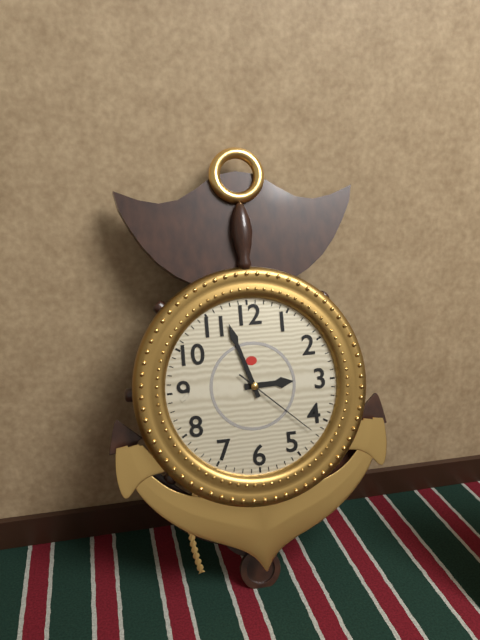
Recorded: 2,57,22
